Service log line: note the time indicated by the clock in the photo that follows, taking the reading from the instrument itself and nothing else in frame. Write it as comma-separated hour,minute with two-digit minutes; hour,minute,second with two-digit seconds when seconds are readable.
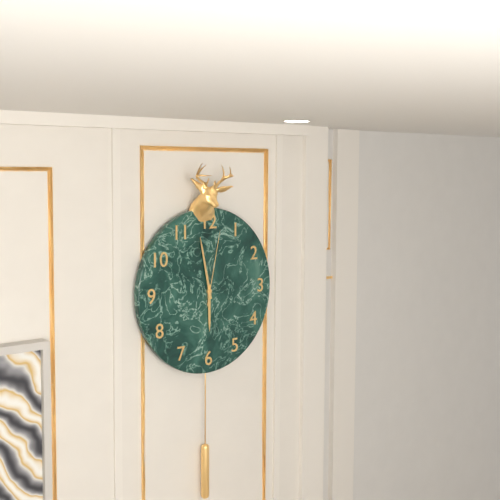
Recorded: 5,58,02
